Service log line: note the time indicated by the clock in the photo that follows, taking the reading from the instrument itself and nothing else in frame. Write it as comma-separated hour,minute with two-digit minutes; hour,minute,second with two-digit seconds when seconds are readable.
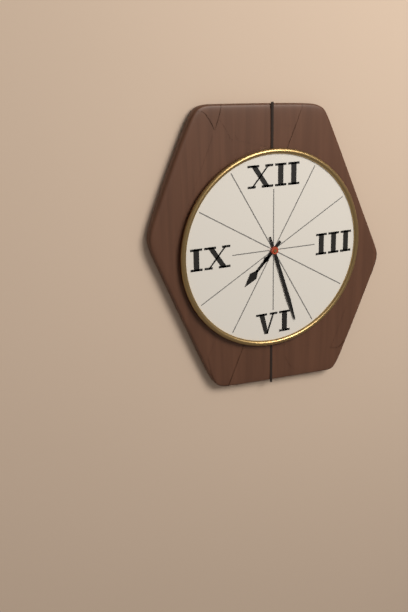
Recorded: 7,27
